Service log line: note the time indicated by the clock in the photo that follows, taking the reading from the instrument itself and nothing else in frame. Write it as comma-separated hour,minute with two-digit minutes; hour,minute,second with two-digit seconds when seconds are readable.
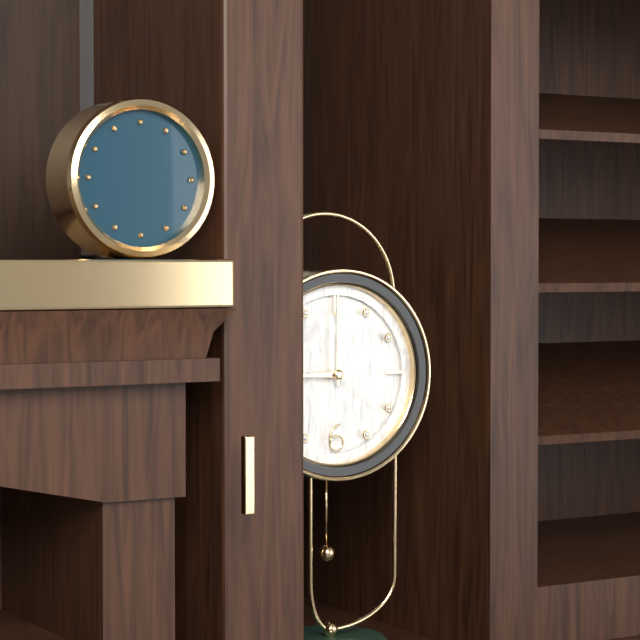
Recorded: 9,00,21
